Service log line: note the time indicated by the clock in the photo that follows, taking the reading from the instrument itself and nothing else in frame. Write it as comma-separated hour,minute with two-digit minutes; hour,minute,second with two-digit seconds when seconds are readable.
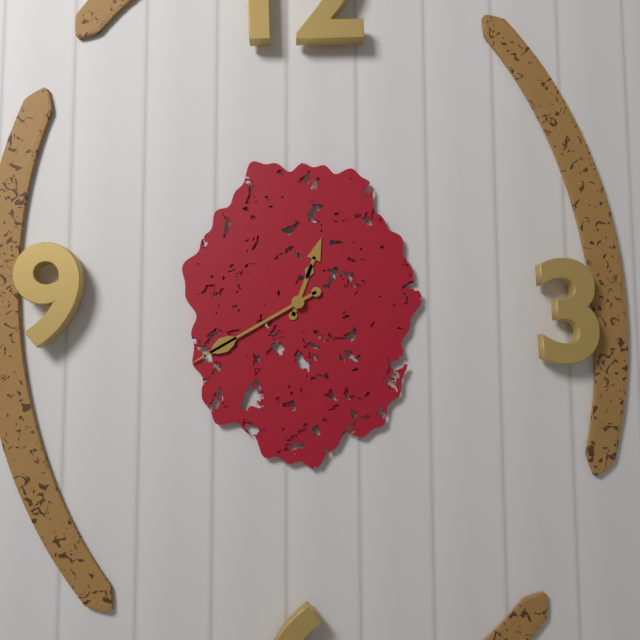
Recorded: 12,40
